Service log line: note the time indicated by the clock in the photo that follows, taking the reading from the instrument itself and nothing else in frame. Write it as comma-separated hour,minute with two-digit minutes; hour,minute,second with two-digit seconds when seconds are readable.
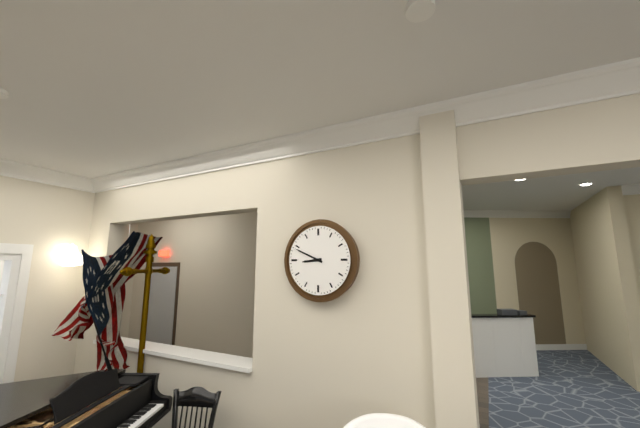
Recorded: 8,49
